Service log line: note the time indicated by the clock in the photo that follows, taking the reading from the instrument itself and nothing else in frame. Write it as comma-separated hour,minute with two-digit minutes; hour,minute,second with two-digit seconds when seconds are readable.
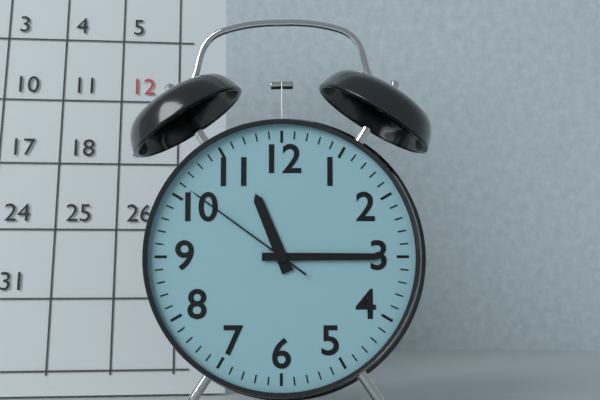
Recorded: 11,15,51
